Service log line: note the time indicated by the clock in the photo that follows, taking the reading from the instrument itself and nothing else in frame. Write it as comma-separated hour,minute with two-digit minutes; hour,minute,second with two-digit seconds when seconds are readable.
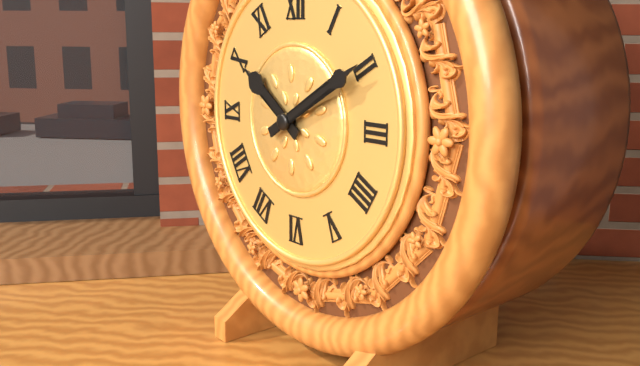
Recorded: 10,10
